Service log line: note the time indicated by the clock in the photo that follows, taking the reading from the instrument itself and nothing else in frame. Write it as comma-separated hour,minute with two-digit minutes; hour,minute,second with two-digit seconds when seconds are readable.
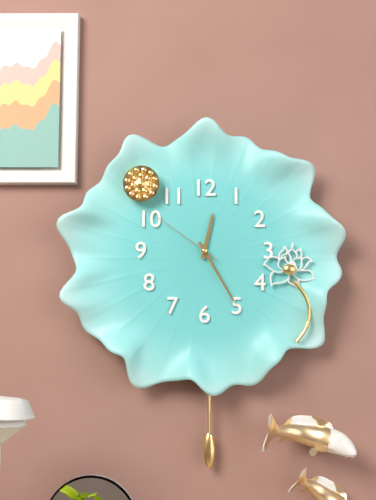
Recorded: 12,25,51
